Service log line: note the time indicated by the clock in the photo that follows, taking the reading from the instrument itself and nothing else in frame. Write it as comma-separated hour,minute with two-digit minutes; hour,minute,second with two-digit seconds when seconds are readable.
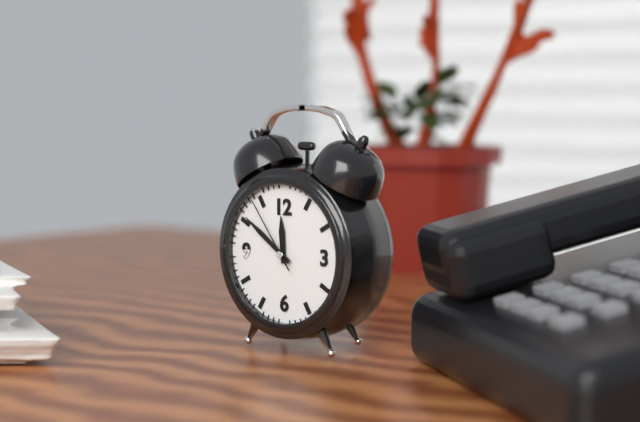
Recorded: 11,51,54
